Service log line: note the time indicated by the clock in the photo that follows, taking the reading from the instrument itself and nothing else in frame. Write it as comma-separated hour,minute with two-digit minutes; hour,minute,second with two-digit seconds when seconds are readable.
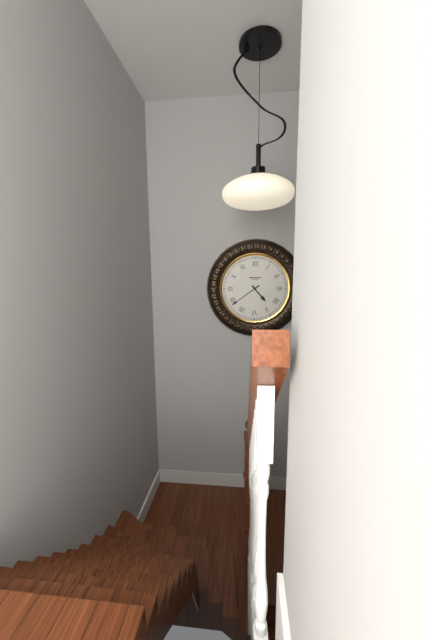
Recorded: 4,39
